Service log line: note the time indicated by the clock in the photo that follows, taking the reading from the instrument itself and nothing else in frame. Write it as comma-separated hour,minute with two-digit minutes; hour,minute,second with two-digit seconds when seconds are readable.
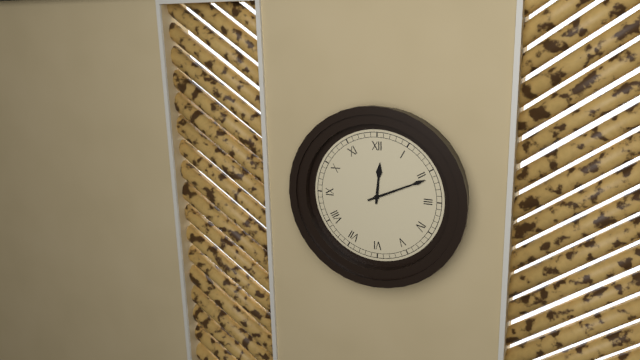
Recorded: 12,11
